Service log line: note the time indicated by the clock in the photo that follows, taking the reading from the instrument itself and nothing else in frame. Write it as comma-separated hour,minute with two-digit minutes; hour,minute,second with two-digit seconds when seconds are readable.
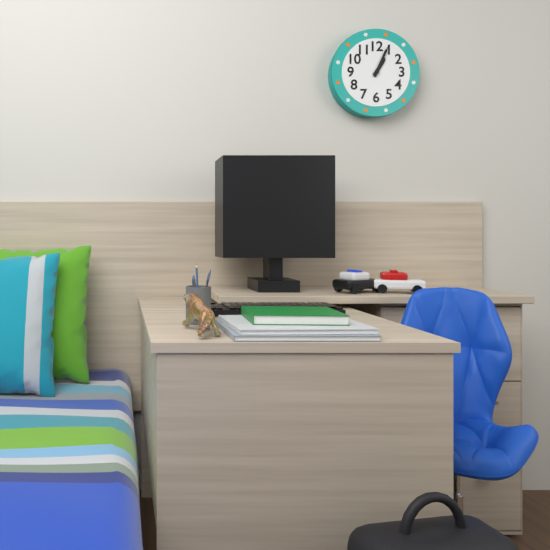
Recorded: 1,04
